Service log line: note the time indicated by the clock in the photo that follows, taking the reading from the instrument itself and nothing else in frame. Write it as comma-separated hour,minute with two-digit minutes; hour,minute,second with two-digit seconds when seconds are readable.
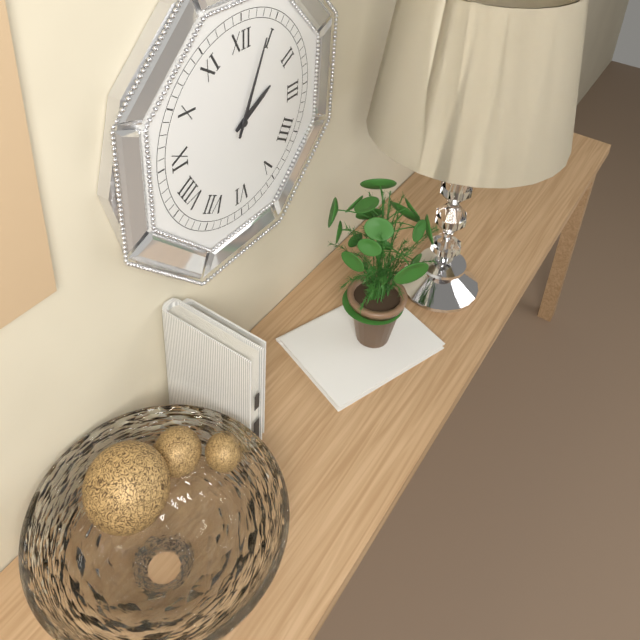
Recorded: 2,04
